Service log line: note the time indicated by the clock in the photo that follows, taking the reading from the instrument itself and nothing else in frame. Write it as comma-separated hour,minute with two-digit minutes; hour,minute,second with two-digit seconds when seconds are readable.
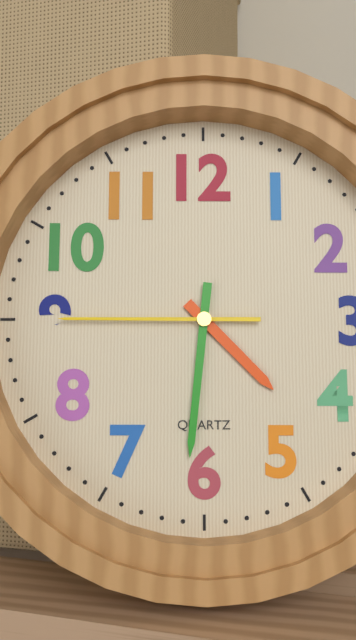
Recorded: 4,31,45
